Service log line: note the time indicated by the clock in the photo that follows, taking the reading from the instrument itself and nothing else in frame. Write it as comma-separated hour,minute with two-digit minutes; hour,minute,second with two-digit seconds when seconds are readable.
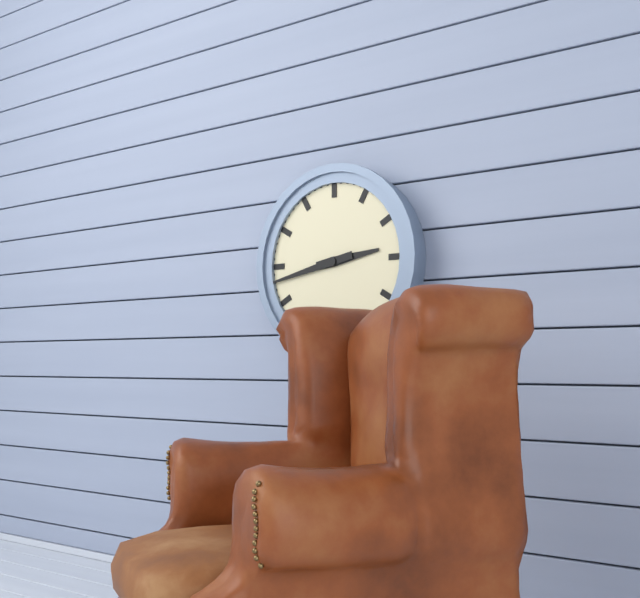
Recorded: 2,43
